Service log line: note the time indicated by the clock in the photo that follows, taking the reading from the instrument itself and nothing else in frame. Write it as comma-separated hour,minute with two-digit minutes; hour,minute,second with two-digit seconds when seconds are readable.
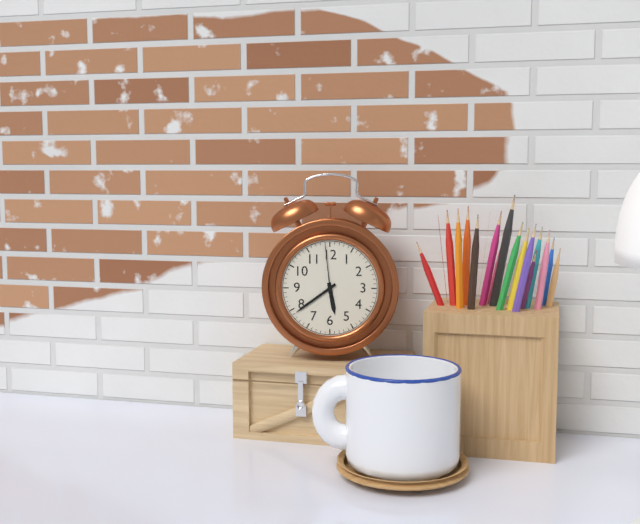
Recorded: 5,39,59
